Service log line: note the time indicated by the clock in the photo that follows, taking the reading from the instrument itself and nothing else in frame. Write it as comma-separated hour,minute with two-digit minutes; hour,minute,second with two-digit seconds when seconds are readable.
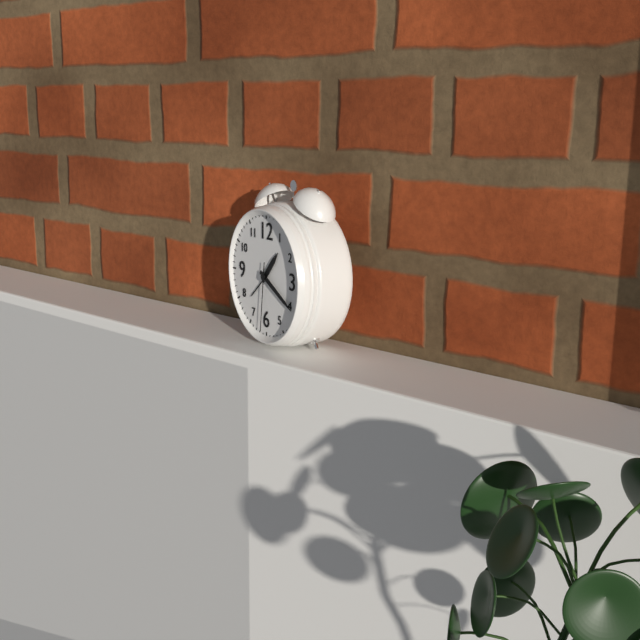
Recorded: 1,20,31
